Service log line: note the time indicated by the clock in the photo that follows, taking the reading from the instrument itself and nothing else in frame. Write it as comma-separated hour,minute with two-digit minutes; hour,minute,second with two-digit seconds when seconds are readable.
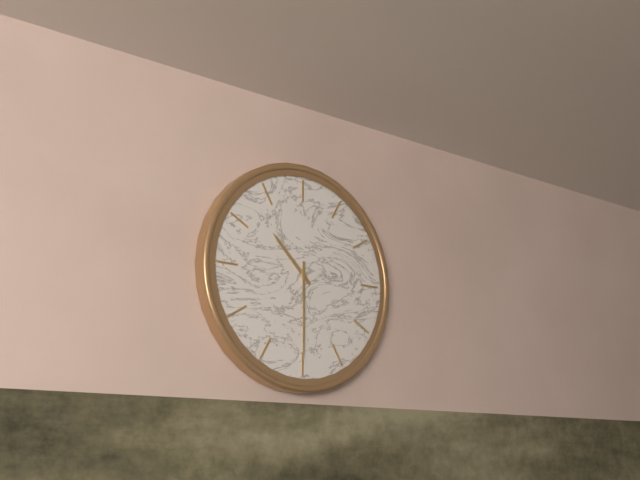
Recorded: 10,30
